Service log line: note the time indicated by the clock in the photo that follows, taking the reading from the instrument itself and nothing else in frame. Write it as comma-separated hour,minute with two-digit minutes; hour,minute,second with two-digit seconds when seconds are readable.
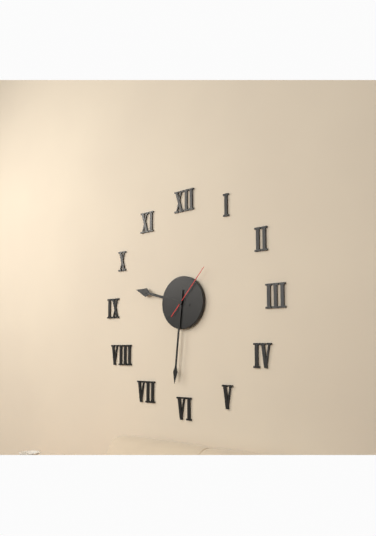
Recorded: 9,31,07
